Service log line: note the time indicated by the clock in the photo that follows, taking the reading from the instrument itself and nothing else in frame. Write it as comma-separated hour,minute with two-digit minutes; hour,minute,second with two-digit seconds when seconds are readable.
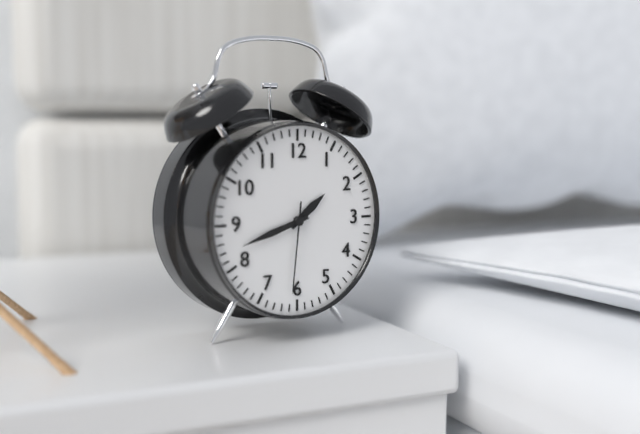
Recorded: 1,42,31
